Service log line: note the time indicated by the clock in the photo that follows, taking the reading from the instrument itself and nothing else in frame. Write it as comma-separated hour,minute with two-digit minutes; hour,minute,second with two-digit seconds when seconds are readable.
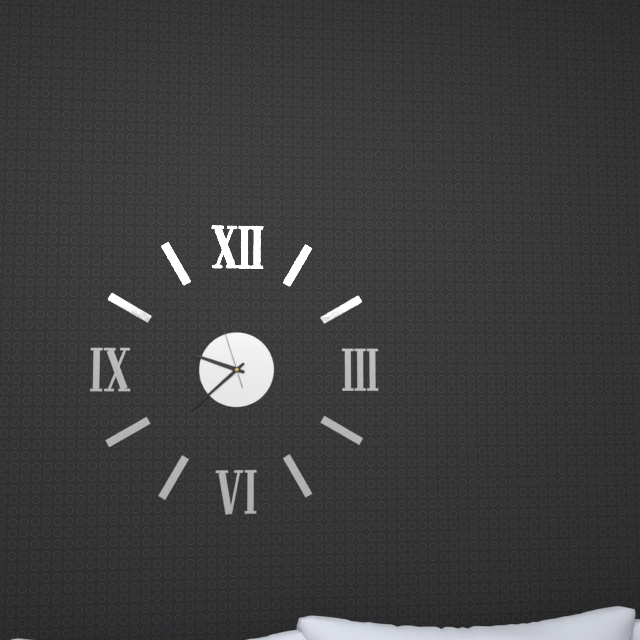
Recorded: 9,38,57
